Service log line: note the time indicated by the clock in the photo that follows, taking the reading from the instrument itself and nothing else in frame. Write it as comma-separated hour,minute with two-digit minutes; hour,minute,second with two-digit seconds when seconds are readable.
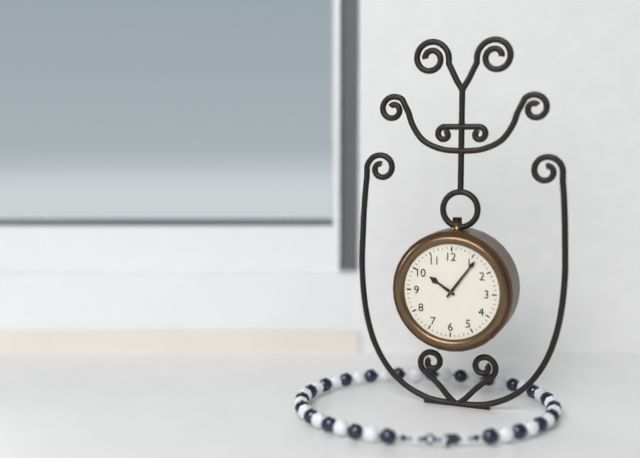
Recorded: 10,06
